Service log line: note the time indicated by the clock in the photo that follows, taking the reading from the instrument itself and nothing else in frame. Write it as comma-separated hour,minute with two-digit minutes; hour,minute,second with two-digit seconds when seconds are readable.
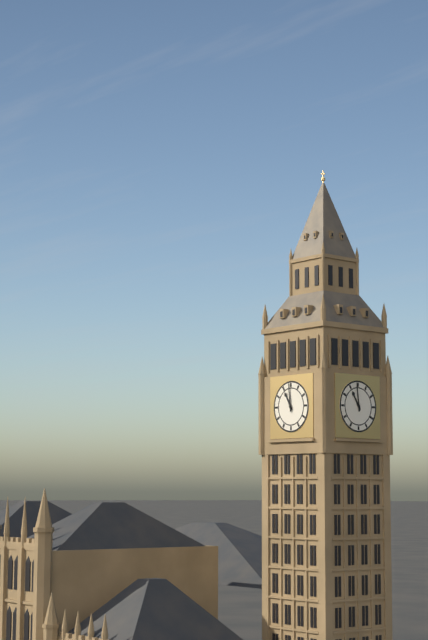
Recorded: 10,59
